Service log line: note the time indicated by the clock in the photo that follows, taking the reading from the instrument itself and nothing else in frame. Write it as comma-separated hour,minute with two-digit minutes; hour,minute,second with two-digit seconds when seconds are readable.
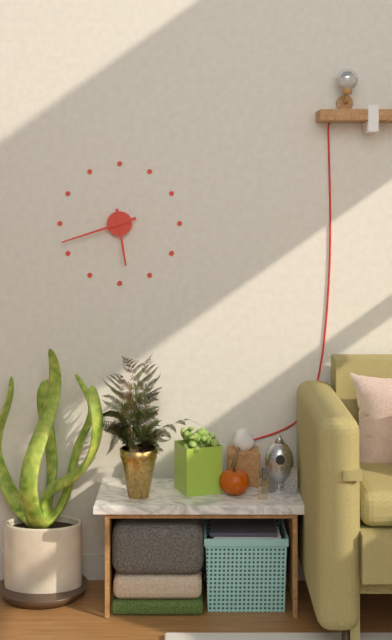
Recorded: 5,42
